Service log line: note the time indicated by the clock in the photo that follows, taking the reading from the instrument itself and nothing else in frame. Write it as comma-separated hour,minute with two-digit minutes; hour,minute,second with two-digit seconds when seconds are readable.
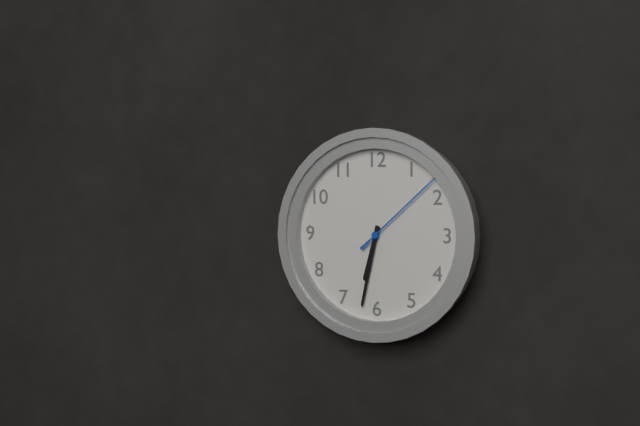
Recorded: 6,32,08
